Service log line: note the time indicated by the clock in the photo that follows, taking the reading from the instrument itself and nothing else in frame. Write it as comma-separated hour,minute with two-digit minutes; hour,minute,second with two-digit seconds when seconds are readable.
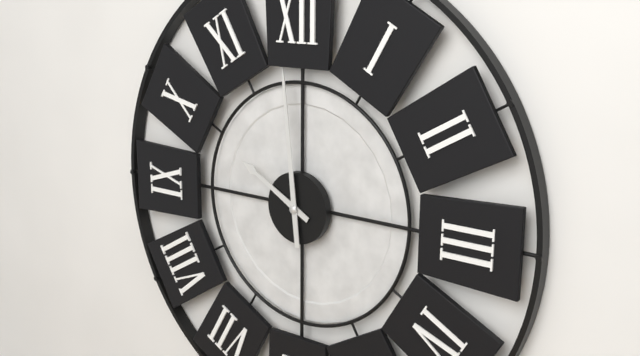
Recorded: 9,59
